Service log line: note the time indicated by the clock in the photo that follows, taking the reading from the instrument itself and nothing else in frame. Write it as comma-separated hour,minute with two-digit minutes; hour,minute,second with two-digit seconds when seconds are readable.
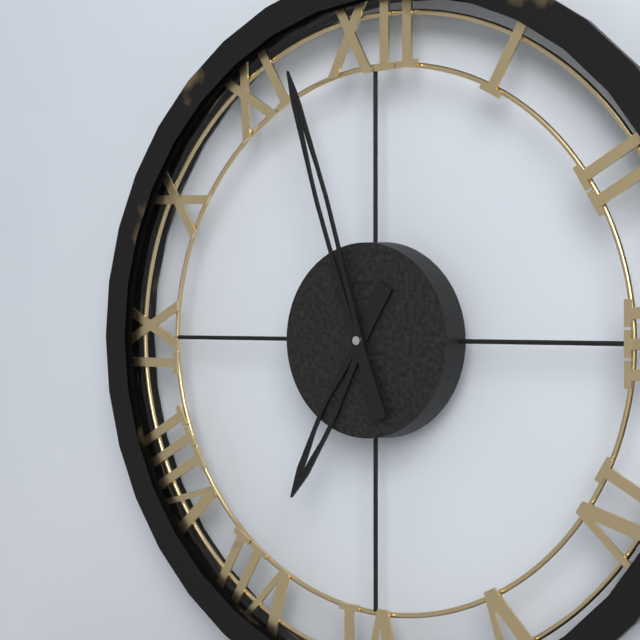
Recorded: 6,57
